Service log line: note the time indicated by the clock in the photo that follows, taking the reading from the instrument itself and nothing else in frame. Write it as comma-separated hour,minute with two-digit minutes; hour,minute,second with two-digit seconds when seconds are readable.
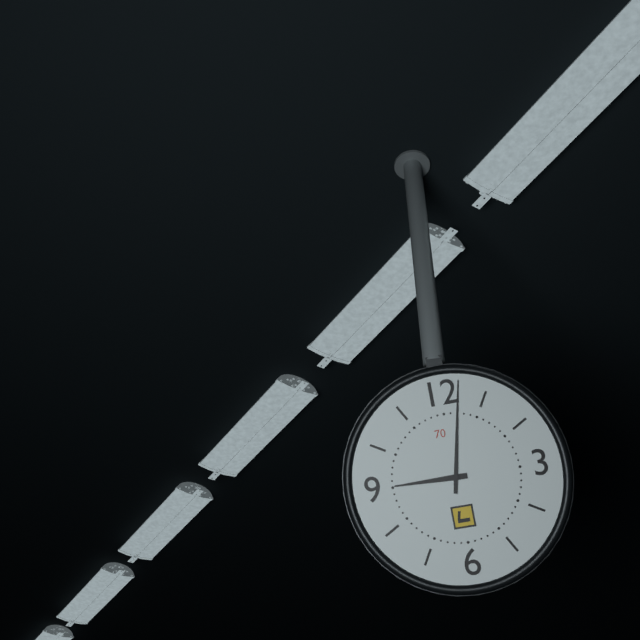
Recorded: 9,02
